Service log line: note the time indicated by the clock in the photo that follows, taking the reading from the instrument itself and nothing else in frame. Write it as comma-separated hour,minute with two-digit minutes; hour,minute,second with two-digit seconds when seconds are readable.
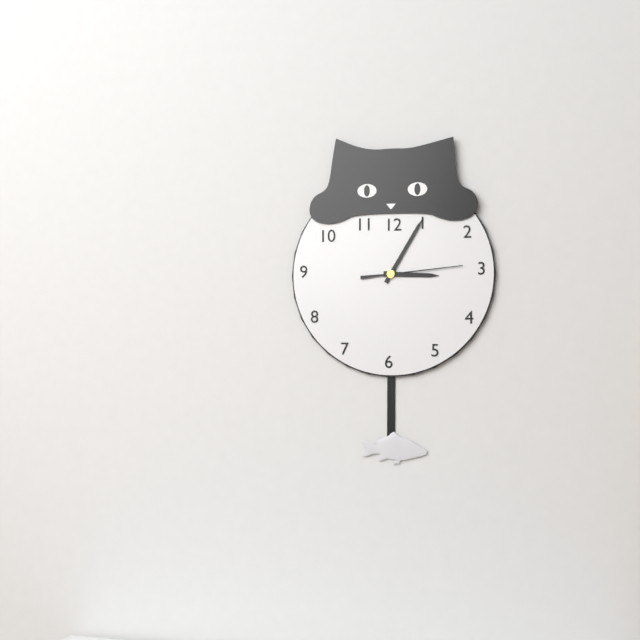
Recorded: 3,05,14
